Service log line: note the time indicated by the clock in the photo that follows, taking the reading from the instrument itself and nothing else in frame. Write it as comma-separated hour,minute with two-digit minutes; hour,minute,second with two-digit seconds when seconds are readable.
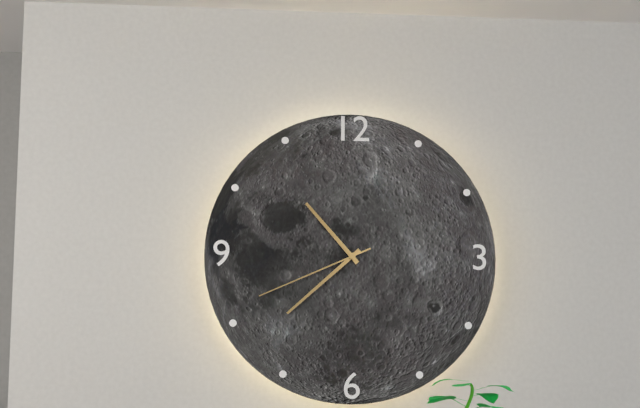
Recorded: 10,38,41
